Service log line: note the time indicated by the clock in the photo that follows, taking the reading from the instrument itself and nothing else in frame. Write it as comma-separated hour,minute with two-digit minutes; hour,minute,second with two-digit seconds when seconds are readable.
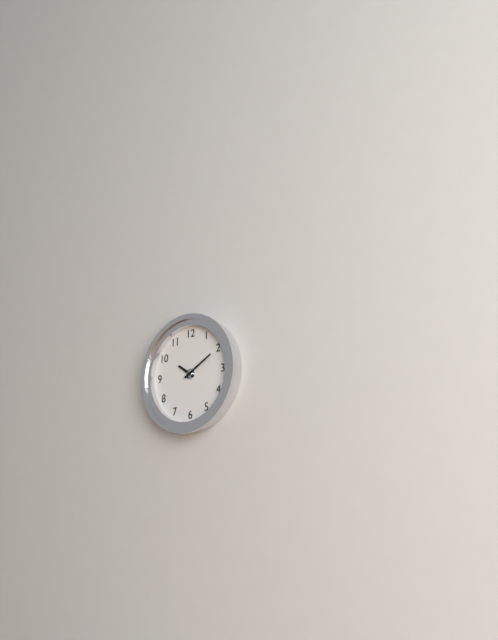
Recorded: 10,10
